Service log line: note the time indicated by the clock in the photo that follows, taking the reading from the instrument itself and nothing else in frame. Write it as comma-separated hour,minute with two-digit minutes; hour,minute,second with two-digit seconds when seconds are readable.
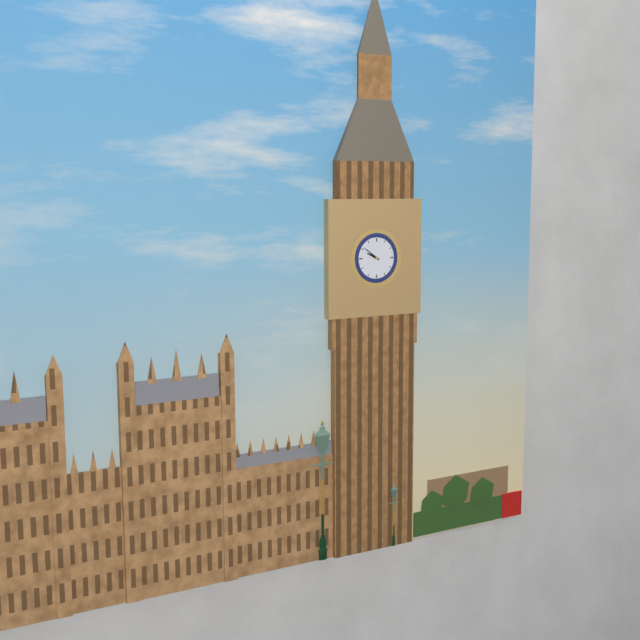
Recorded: 9,51
